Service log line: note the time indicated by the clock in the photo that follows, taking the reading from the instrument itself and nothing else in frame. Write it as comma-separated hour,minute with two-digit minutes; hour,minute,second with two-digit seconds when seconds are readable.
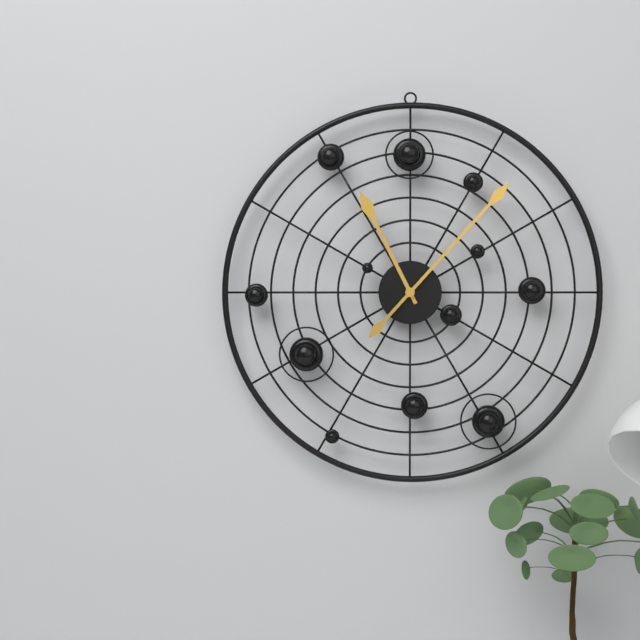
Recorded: 11,07
